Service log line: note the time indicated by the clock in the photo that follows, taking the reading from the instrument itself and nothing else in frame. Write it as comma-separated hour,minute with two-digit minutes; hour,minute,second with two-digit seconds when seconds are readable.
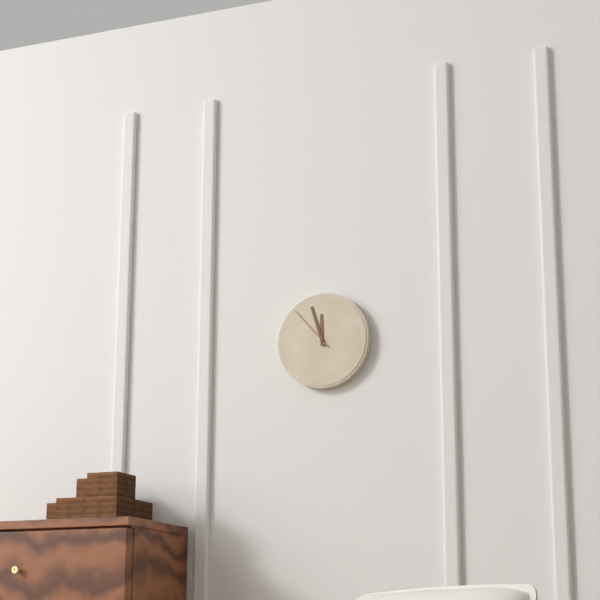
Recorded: 11,57
